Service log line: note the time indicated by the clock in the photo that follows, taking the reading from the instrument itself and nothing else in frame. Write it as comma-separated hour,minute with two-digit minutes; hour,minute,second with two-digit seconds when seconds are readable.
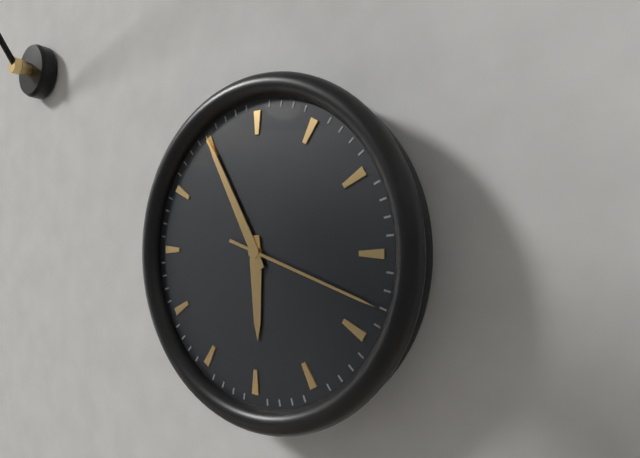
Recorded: 5,55,18
